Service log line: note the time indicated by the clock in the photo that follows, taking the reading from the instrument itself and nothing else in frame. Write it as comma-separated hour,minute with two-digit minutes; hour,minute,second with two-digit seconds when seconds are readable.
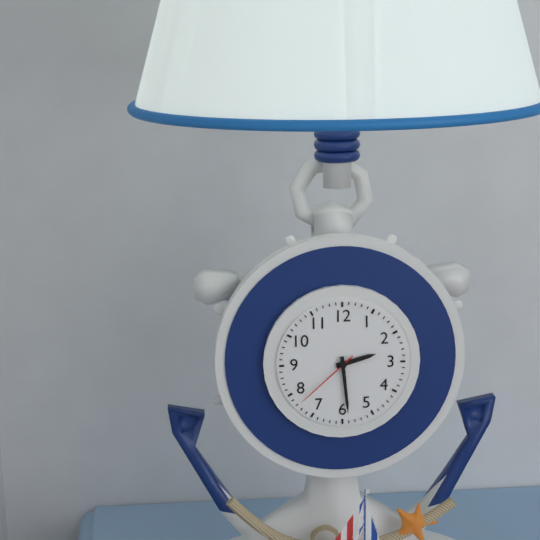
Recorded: 2,29,38
